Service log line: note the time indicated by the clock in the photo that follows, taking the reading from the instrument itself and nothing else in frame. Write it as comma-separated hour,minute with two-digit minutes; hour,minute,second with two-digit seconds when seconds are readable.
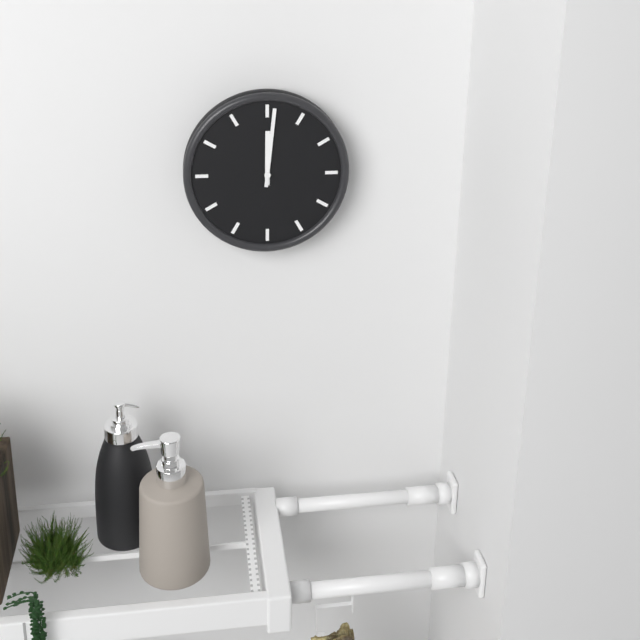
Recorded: 12,01
